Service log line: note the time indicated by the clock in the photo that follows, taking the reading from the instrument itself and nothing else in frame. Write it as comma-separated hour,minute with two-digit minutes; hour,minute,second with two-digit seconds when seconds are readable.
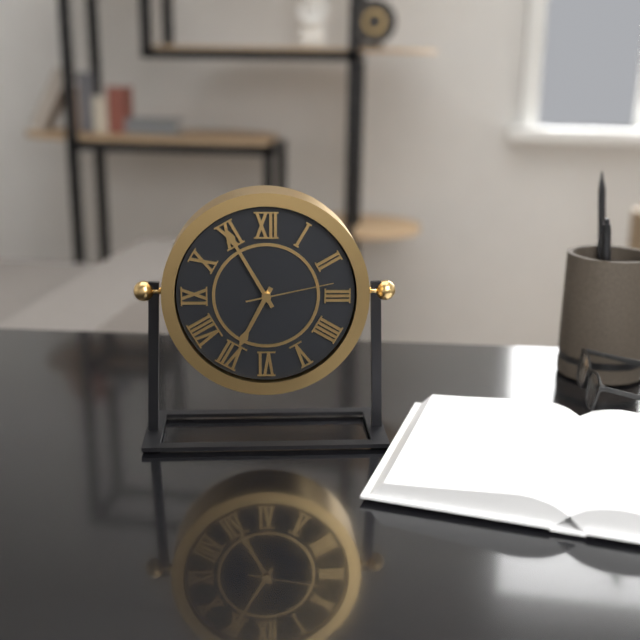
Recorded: 6,55,13
